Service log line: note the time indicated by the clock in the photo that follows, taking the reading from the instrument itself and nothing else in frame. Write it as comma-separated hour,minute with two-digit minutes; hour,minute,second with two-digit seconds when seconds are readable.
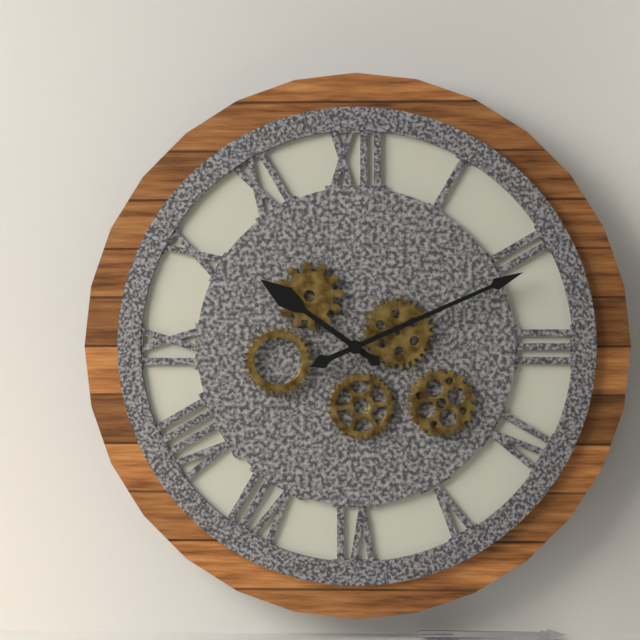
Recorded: 10,11
